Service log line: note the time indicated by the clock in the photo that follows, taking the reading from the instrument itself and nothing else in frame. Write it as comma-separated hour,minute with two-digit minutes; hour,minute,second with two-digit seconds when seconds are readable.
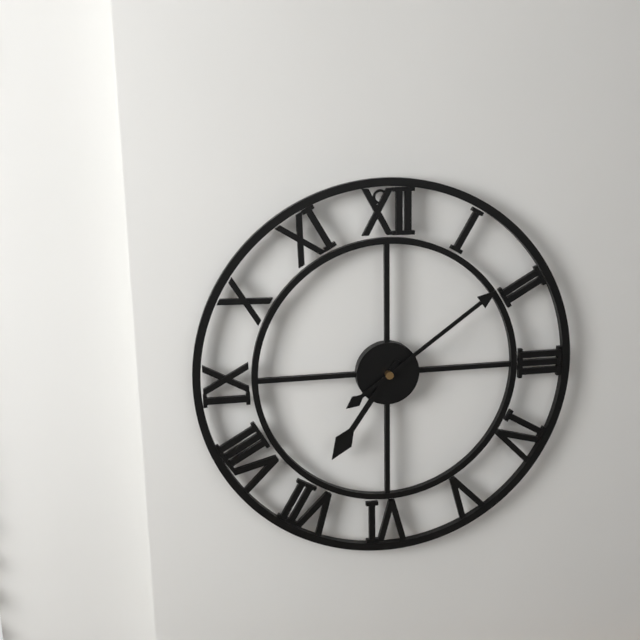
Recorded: 7,09
